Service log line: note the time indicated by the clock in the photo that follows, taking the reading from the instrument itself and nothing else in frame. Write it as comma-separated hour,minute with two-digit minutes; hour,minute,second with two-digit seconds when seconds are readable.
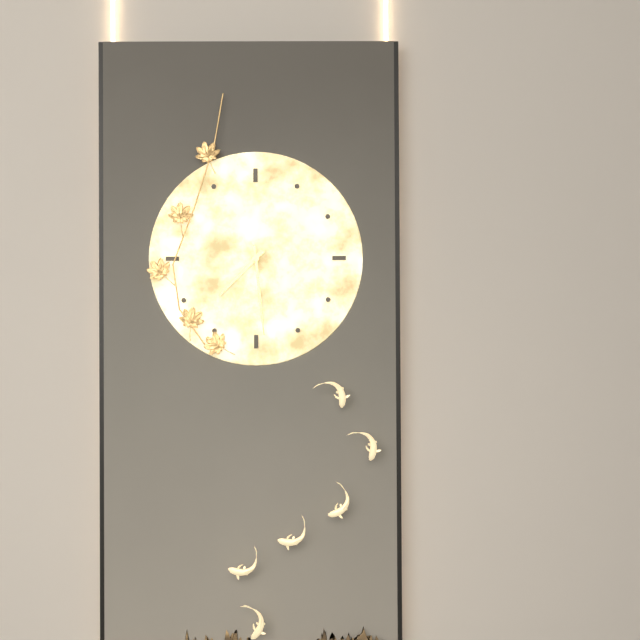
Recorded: 7,29
